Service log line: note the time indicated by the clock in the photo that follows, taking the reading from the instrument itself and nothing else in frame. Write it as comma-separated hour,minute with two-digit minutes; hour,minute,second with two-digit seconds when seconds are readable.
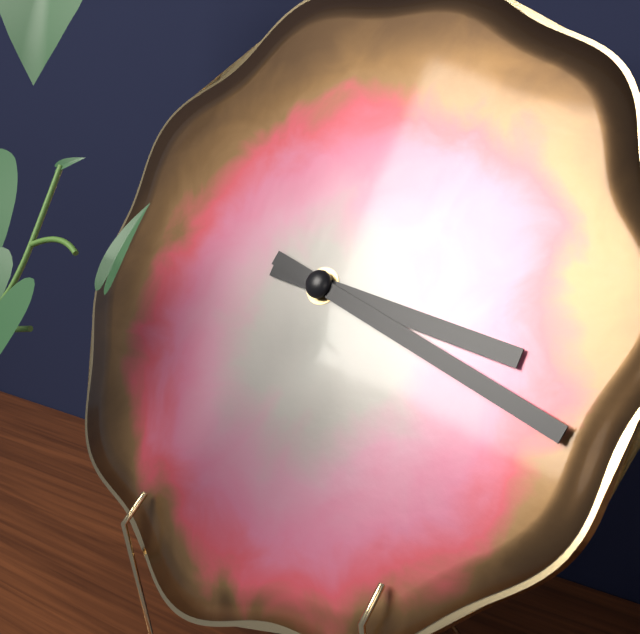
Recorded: 3,18
